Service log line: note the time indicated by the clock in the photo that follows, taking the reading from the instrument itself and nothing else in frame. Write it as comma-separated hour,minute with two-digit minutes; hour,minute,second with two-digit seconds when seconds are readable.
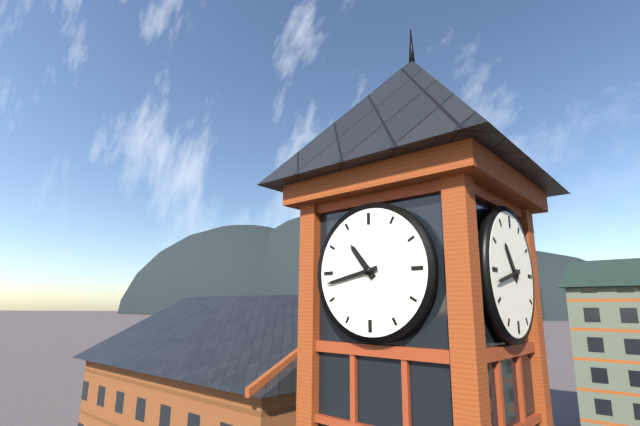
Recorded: 10,43
